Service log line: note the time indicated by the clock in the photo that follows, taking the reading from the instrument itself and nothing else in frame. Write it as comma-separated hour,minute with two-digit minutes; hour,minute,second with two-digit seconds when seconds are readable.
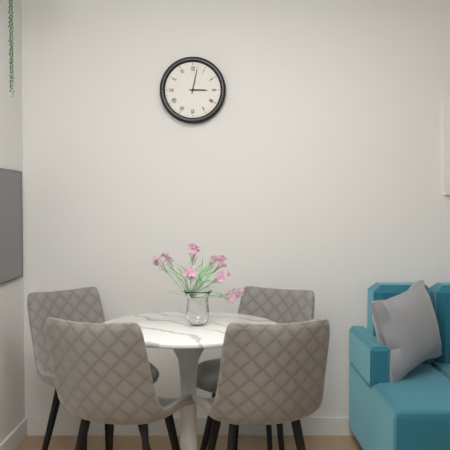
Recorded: 3,02
